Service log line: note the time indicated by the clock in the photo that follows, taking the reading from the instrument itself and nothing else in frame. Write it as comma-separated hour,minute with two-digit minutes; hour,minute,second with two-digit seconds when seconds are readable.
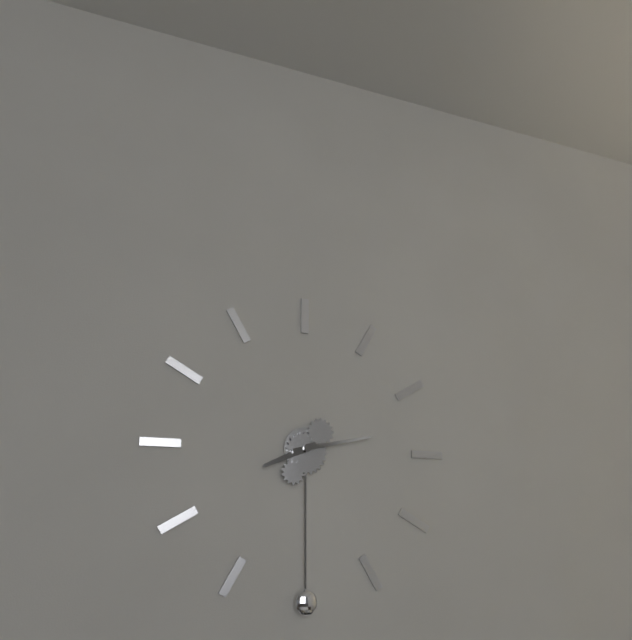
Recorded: 8,13
